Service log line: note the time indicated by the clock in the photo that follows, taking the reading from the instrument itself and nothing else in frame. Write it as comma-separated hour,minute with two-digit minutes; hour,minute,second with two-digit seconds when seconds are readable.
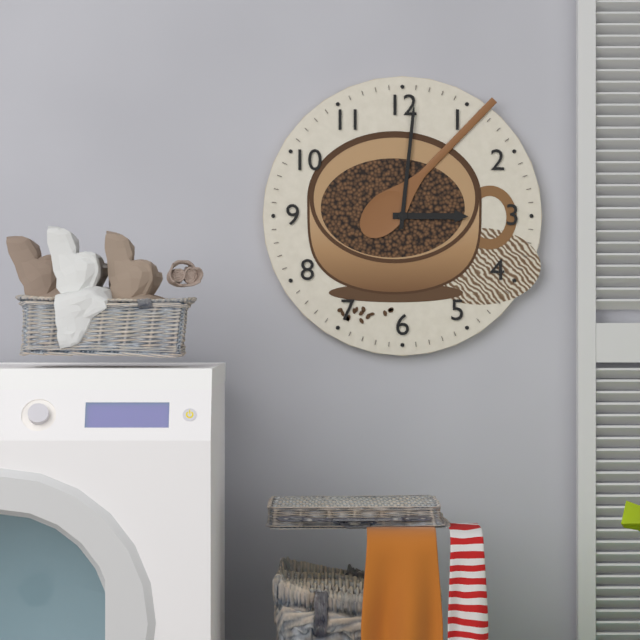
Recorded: 3,01
